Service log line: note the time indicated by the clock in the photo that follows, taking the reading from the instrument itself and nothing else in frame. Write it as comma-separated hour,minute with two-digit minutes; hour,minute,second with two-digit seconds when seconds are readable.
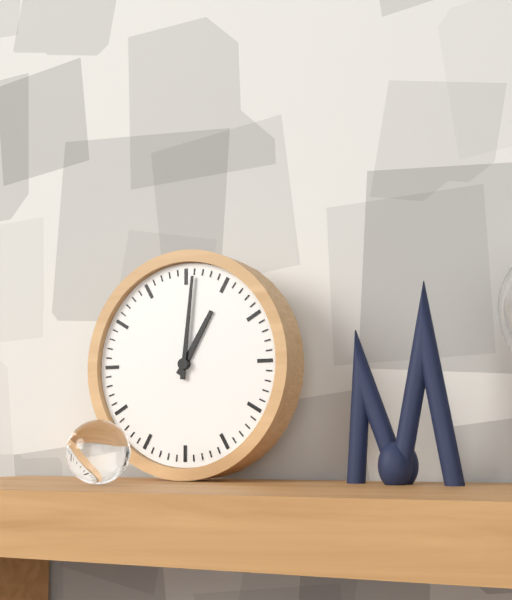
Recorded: 1,01
